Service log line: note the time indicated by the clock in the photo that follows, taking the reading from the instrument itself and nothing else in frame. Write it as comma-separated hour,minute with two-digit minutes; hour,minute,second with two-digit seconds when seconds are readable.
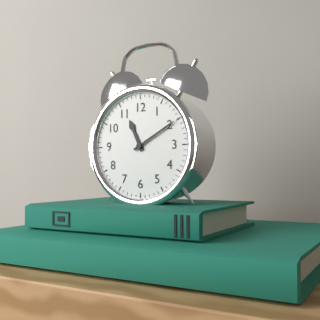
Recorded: 11,10
